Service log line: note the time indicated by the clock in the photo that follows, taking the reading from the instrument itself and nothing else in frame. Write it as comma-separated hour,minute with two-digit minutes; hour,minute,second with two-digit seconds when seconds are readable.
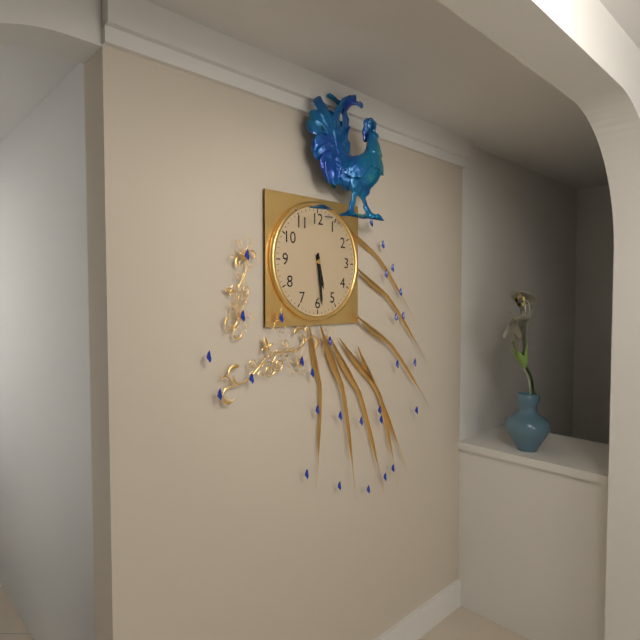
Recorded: 5,29
